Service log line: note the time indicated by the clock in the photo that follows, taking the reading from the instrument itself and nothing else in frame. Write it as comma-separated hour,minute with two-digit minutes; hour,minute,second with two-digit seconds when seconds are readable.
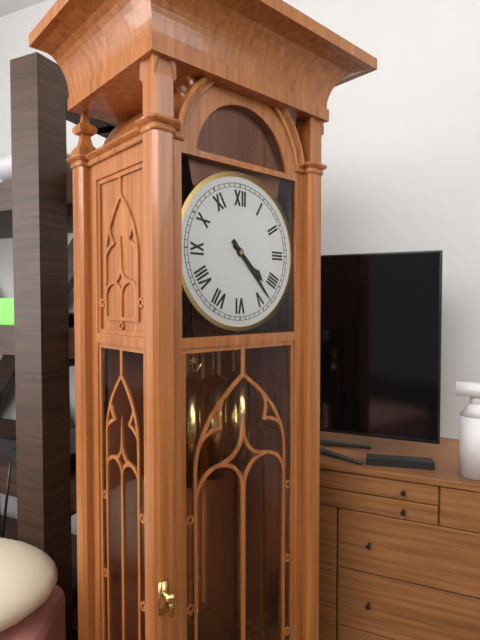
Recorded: 4,23
